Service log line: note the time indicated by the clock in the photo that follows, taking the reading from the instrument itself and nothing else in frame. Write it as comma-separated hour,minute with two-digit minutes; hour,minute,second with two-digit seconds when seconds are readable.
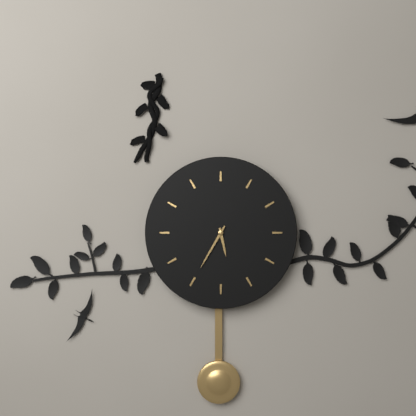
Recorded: 5,35
